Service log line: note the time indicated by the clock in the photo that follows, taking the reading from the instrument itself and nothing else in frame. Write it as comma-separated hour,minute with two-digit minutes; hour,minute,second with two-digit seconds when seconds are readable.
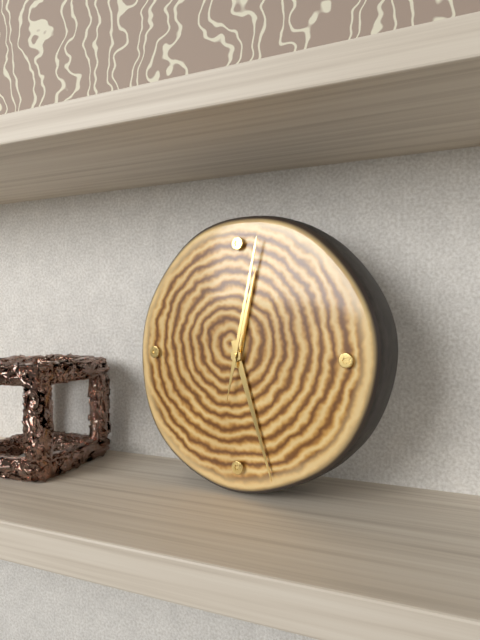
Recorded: 12,27,02
